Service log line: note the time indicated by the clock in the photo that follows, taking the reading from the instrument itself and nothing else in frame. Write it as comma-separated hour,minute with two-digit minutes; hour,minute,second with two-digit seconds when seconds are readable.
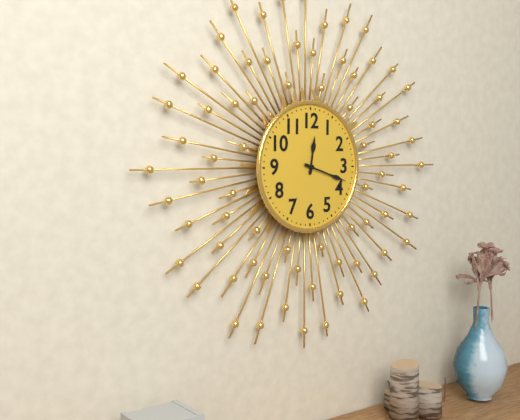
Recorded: 12,18
